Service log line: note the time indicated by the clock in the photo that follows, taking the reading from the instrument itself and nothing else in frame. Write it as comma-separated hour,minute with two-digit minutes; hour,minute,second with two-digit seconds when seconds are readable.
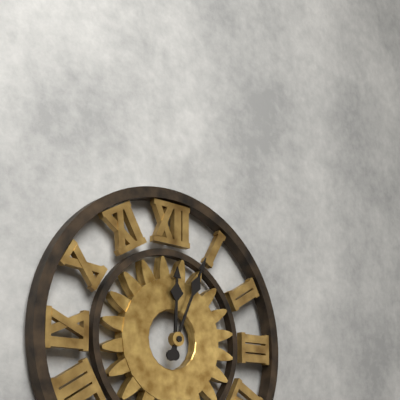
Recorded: 12,04
